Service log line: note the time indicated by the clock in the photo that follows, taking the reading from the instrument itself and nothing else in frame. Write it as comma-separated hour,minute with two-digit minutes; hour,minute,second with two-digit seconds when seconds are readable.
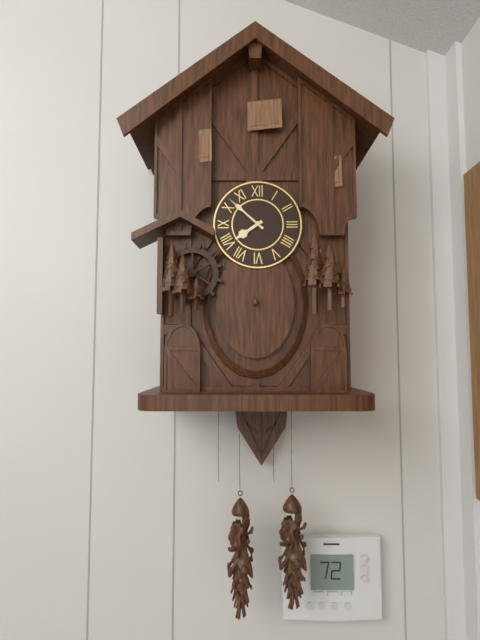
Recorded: 7,52
